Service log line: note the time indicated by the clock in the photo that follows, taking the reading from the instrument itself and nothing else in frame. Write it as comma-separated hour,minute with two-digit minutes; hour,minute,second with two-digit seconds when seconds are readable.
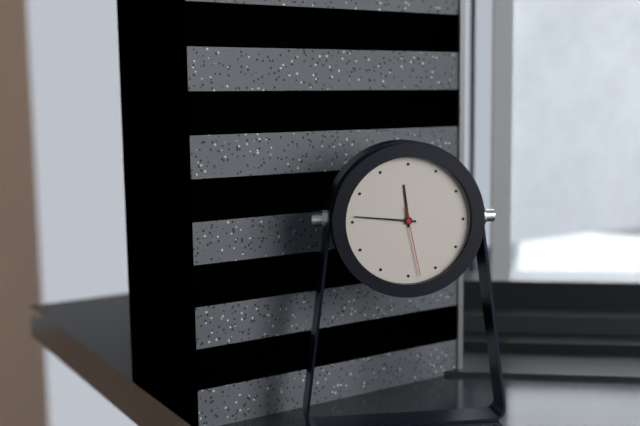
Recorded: 11,46,28
